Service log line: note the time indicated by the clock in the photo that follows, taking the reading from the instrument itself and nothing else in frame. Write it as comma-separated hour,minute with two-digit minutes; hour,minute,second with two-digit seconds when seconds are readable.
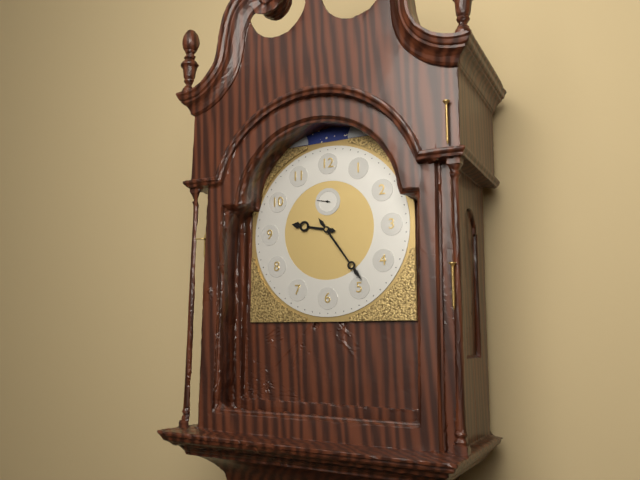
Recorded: 9,24
